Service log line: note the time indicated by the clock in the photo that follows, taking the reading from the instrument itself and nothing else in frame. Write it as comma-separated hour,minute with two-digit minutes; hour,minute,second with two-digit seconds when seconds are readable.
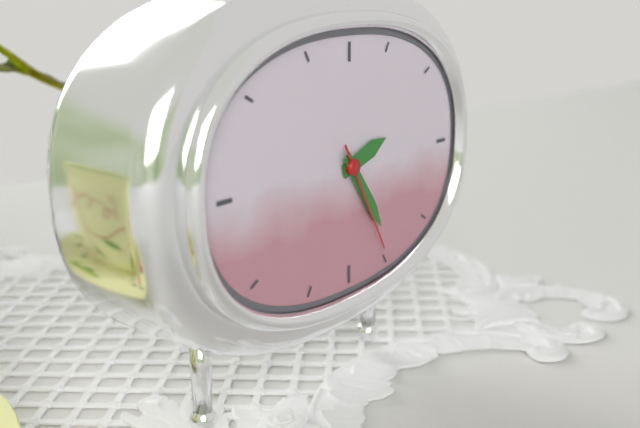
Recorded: 2,24,25
